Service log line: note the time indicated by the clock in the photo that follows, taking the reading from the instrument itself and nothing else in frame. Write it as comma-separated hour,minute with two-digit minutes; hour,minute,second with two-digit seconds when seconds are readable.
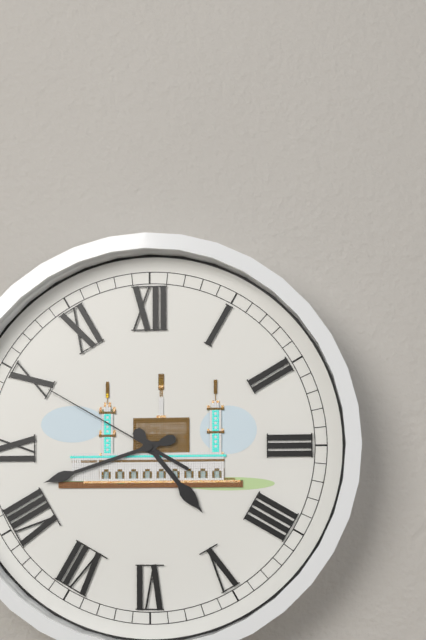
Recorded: 4,42,50
